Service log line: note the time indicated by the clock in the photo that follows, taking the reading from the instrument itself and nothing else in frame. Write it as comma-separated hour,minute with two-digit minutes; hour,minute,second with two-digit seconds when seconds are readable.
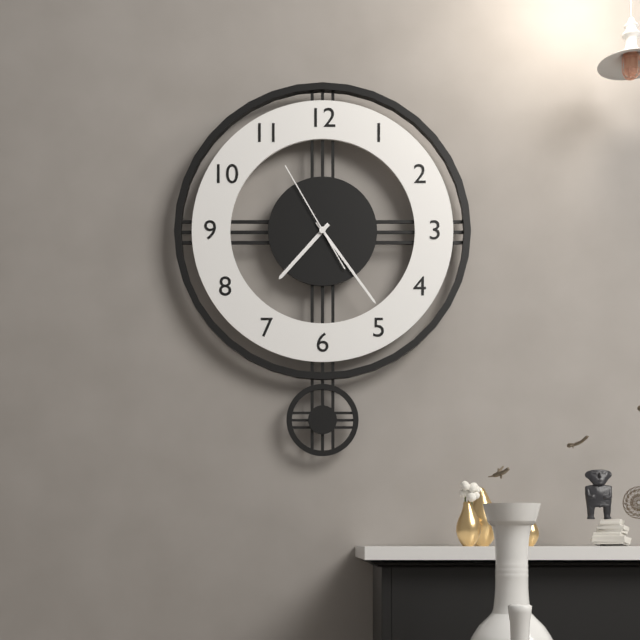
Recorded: 7,24,55
